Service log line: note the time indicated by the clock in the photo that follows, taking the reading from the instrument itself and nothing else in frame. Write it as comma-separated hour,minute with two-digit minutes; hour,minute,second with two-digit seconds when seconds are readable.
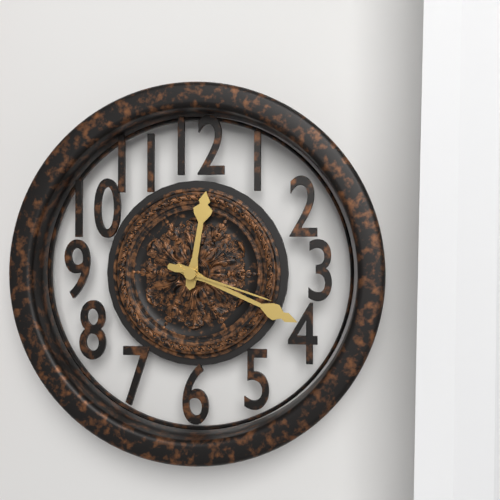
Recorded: 12,19,18
